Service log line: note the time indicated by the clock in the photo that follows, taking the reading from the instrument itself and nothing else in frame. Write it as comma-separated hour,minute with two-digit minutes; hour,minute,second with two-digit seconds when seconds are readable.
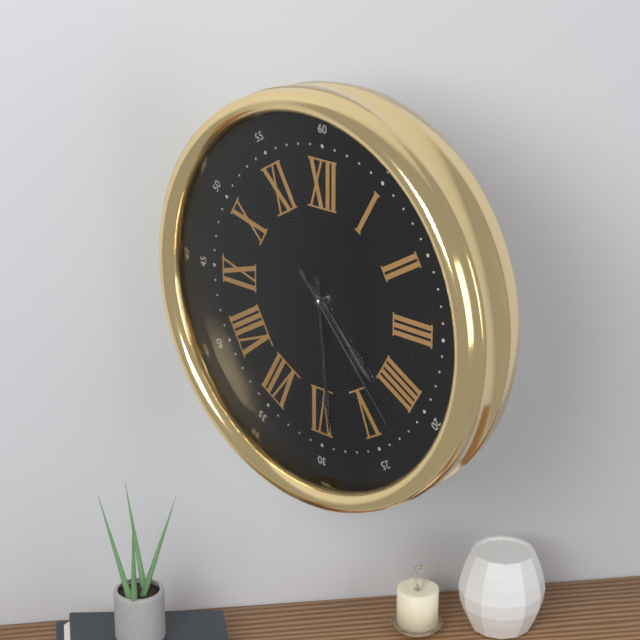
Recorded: 4,29,23
